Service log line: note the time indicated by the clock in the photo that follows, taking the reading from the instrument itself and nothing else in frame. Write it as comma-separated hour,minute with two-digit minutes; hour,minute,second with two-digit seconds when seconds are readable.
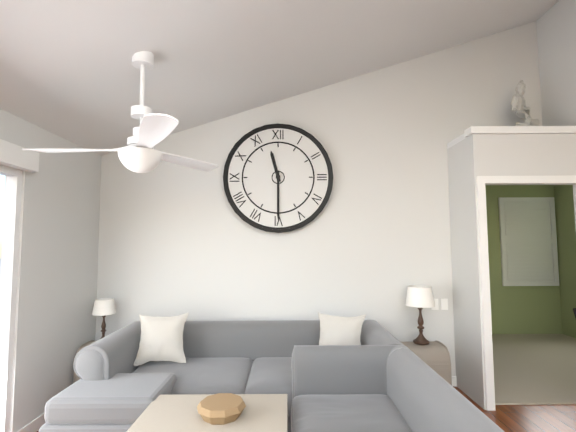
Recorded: 11,30
